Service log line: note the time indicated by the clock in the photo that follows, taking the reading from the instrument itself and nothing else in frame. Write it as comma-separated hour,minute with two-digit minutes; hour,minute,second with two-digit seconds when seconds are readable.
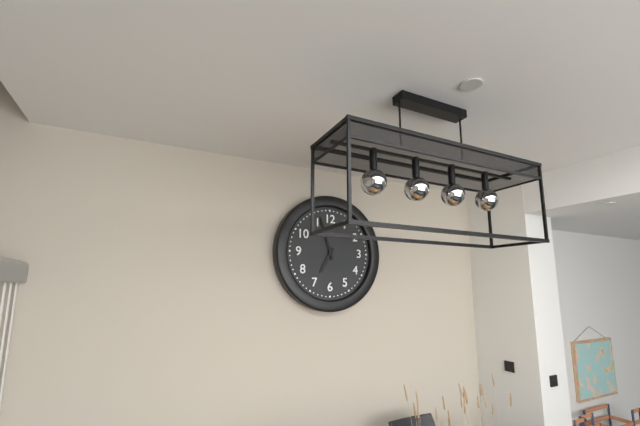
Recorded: 6,57
